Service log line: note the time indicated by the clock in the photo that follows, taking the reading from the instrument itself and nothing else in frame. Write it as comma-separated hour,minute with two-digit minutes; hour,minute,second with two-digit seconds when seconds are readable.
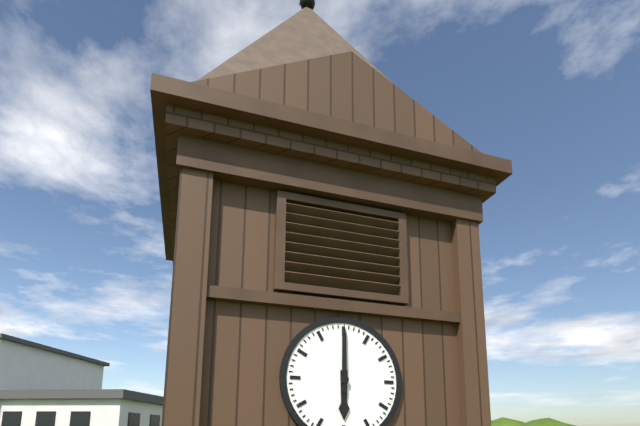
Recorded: 6,00
